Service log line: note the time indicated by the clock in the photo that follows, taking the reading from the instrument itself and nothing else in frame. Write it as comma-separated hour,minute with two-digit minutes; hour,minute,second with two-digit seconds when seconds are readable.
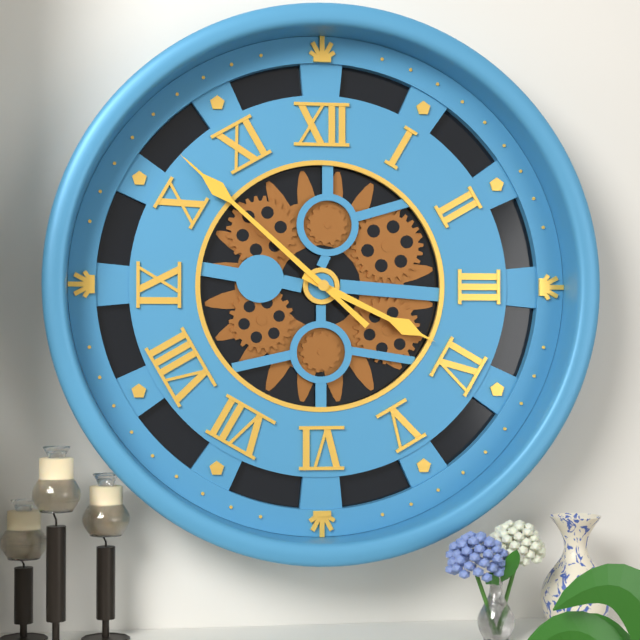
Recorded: 3,52
